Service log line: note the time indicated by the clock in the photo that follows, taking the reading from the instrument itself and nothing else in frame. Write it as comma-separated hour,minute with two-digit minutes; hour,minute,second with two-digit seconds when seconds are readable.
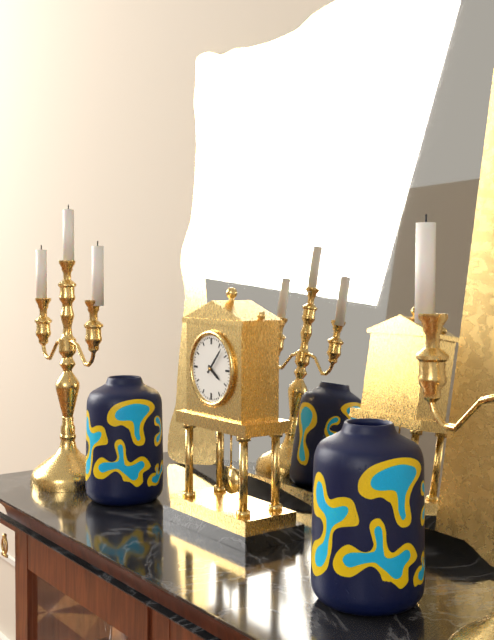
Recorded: 4,07
